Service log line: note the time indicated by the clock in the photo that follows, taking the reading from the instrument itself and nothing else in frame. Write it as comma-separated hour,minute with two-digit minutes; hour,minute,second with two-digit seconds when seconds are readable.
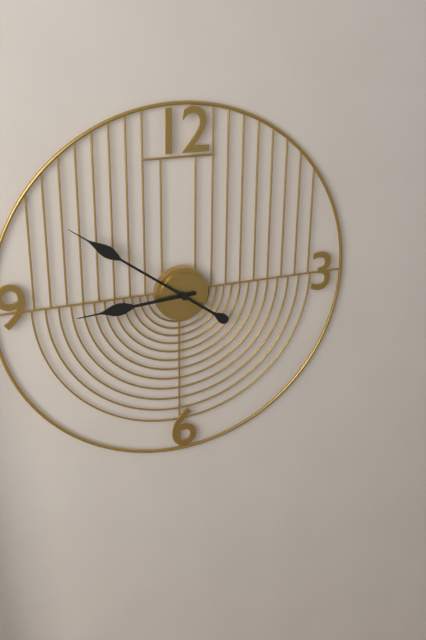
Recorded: 8,51
